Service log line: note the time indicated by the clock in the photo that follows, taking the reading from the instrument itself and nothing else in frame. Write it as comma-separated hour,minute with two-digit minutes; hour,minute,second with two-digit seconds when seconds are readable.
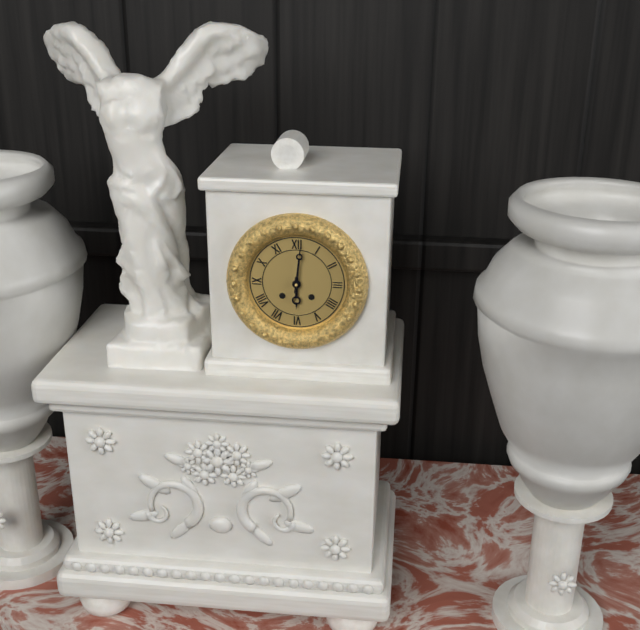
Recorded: 6,01
